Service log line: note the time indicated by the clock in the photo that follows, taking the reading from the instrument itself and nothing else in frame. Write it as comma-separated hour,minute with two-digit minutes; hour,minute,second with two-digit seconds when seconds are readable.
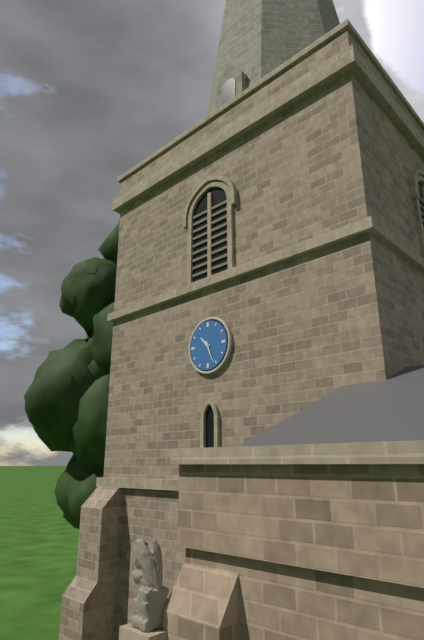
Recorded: 10,26
